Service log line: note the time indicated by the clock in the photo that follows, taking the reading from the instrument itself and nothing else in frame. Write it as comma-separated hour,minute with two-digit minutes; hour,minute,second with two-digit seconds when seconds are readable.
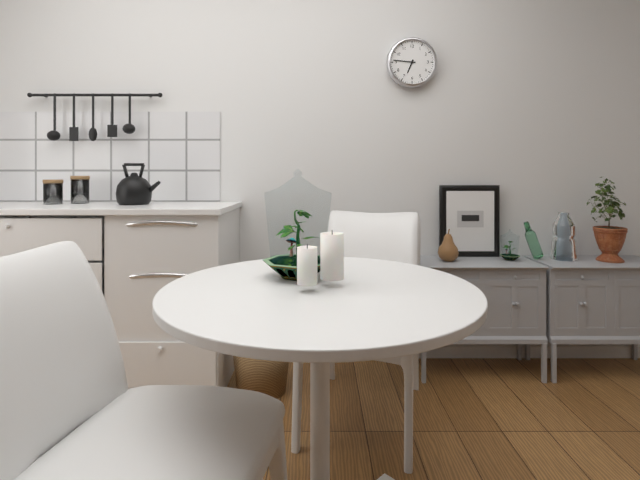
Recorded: 6,46
